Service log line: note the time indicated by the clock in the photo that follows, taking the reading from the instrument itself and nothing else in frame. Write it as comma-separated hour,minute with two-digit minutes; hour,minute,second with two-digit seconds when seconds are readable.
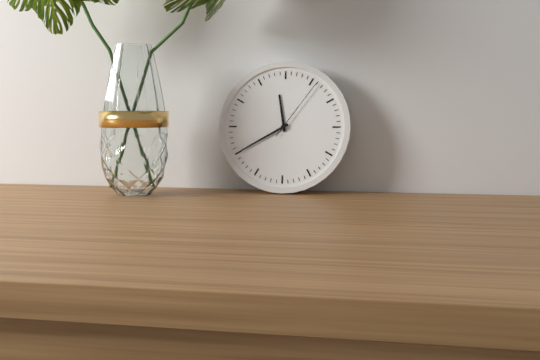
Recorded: 11,40,06
